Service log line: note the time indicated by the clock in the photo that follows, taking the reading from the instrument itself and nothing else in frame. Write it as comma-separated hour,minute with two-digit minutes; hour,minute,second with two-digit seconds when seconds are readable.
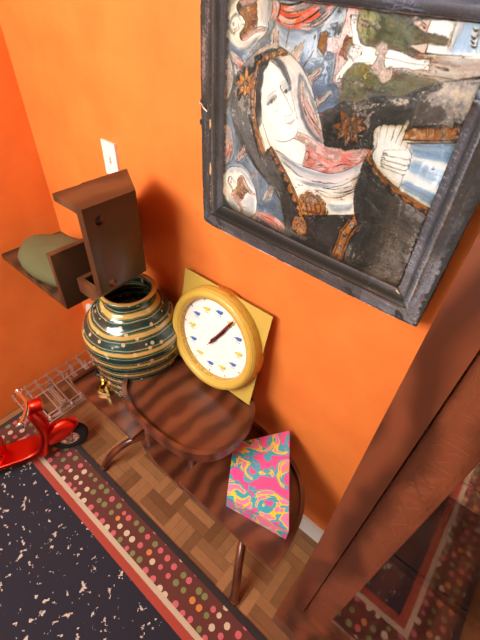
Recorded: 1,05
